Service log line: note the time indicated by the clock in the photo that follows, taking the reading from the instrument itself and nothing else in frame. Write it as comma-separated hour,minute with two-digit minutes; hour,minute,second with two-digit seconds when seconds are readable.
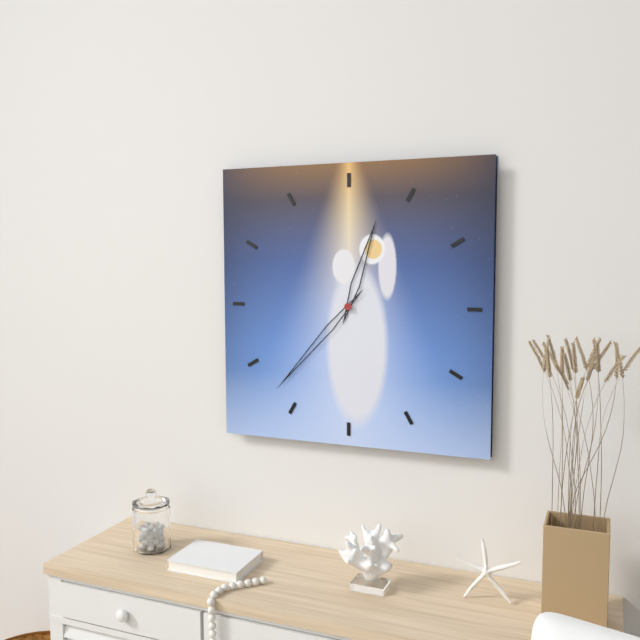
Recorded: 12,37
